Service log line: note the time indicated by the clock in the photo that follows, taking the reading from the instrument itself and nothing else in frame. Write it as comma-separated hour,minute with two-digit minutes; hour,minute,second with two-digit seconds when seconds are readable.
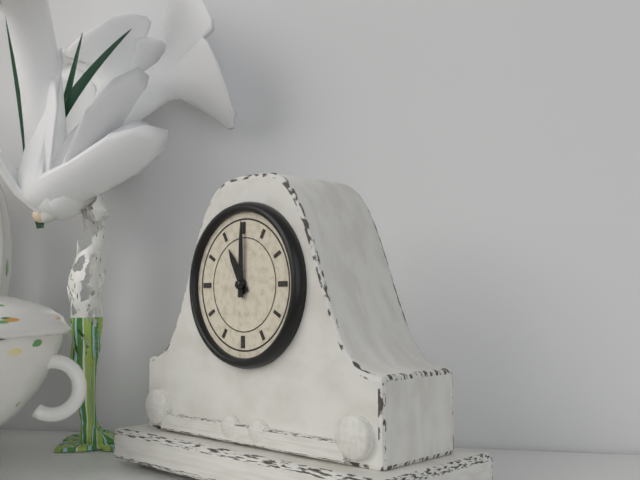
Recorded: 11,00
